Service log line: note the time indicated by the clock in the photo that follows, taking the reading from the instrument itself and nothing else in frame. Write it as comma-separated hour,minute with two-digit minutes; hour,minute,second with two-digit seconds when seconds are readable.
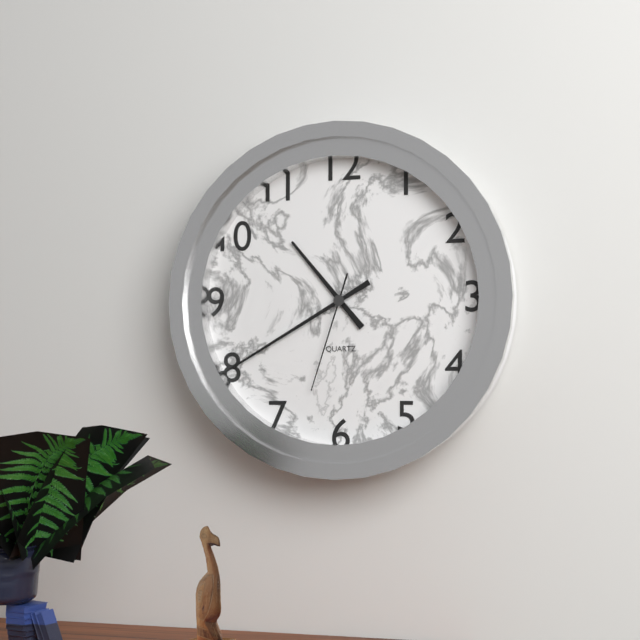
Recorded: 10,40,33
